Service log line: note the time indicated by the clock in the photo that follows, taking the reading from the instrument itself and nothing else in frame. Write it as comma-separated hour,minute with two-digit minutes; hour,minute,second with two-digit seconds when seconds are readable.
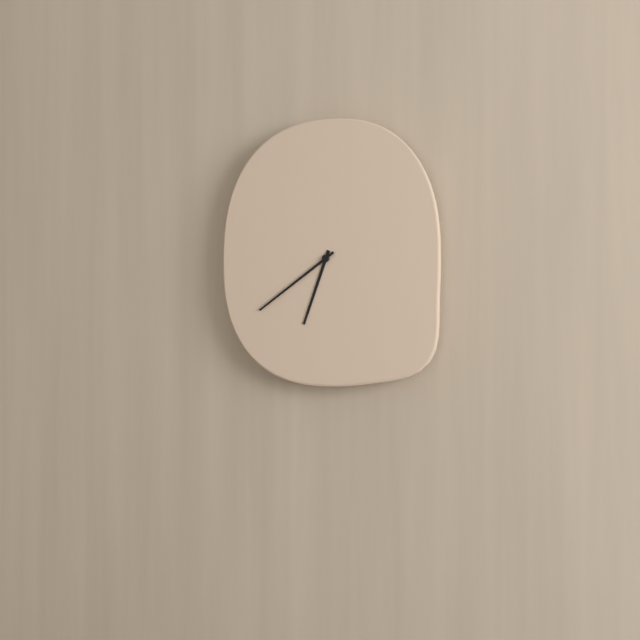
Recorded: 6,39
